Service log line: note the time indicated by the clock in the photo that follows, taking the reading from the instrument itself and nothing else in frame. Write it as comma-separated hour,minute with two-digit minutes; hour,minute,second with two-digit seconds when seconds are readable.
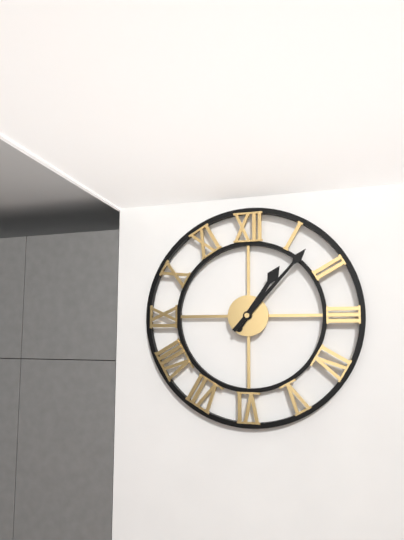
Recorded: 1,07
